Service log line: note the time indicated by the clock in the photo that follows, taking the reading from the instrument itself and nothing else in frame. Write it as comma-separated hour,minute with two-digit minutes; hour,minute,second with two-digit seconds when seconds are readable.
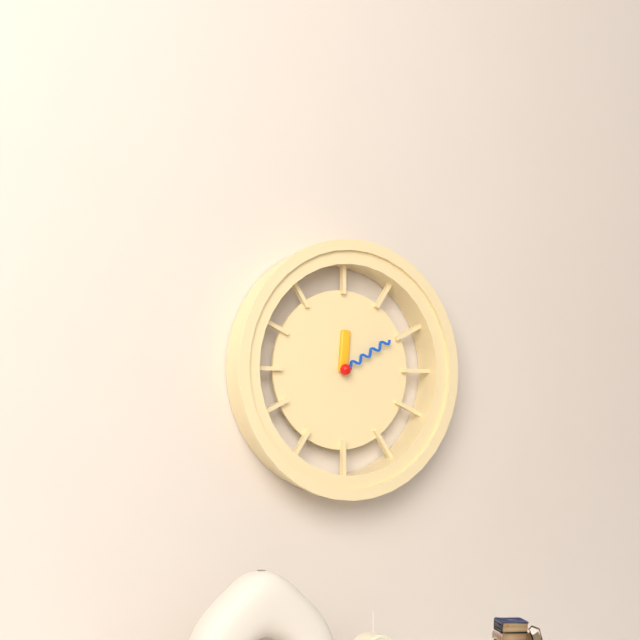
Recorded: 12,10
